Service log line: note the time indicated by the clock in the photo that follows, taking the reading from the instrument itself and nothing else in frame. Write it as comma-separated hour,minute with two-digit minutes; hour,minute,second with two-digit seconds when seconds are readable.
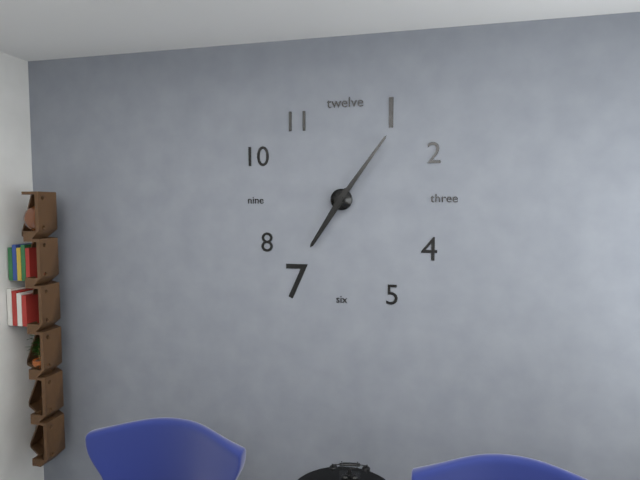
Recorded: 7,06
